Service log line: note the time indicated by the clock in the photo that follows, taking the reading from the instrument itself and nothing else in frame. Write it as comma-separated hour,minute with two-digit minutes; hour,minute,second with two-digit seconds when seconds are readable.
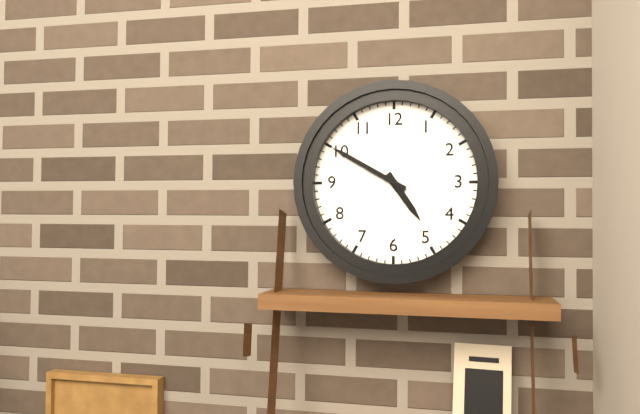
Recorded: 4,50
